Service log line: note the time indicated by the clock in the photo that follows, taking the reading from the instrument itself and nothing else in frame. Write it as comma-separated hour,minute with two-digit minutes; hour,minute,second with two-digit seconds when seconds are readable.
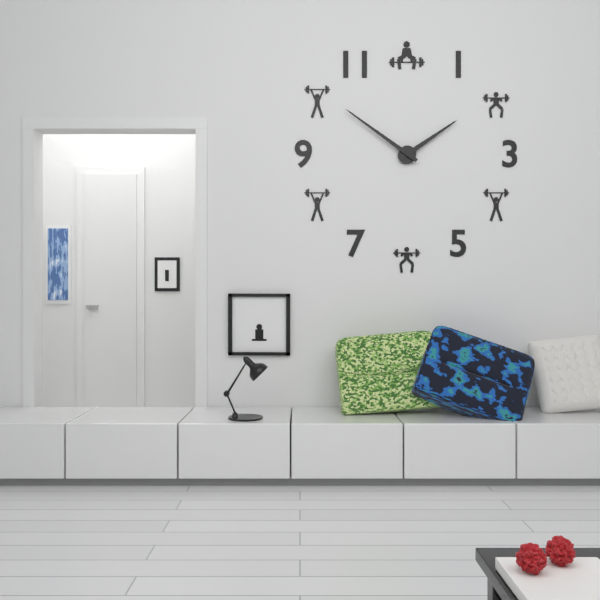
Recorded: 1,51
